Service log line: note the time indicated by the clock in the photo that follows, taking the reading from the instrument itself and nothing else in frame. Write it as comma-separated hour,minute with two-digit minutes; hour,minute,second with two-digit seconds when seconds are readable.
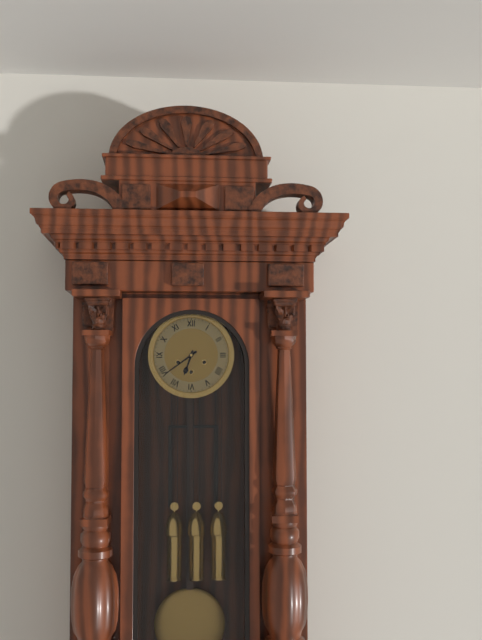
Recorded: 6,39
